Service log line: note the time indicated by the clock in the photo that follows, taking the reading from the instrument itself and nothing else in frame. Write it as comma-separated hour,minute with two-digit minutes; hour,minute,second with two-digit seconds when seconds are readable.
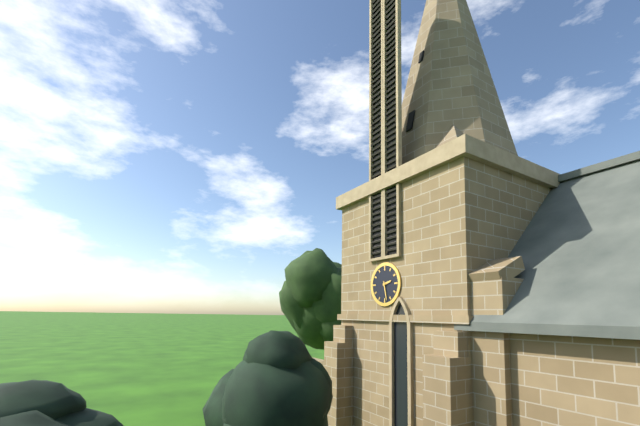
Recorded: 2,28
